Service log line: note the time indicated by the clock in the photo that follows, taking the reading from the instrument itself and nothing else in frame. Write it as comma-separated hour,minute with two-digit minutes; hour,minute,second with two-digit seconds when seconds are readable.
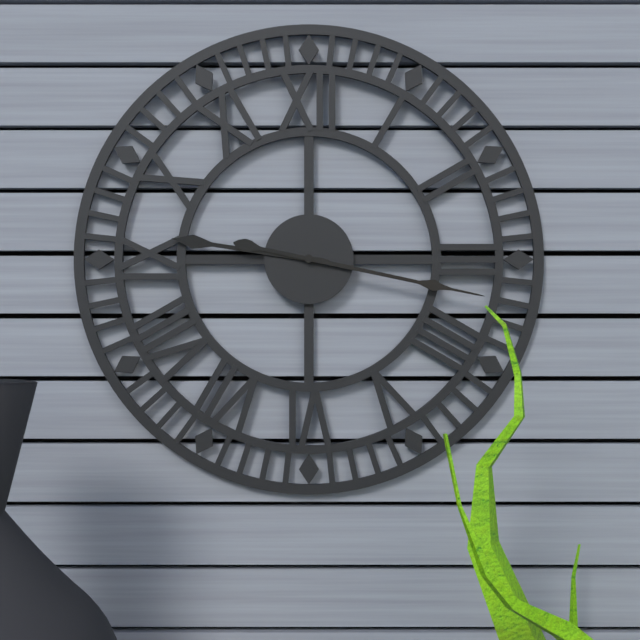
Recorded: 9,17
